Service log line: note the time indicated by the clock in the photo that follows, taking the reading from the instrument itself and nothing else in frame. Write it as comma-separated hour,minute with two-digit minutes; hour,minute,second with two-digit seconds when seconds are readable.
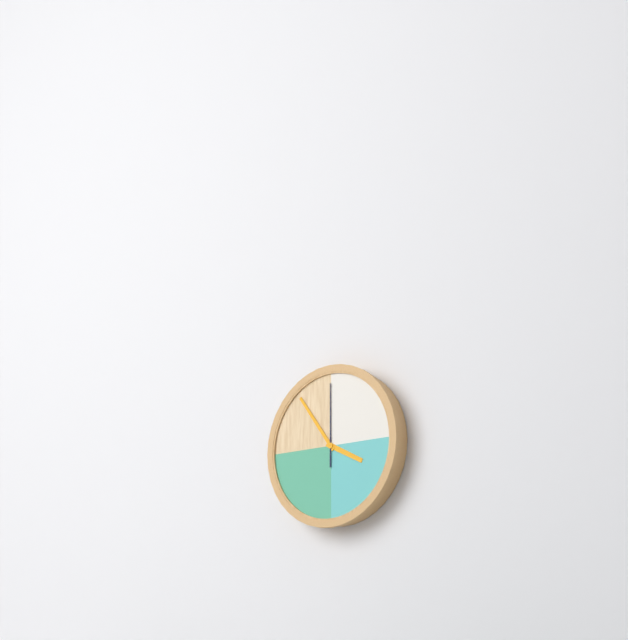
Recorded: 3,54,00
